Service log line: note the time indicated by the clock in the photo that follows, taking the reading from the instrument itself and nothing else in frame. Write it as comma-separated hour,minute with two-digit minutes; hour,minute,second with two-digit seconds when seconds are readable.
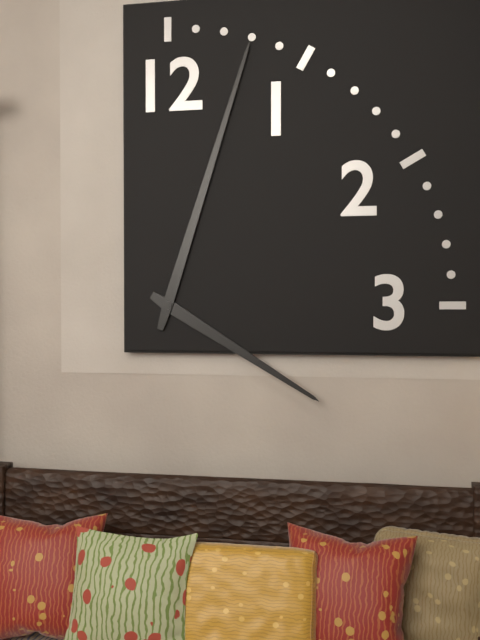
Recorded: 4,03
